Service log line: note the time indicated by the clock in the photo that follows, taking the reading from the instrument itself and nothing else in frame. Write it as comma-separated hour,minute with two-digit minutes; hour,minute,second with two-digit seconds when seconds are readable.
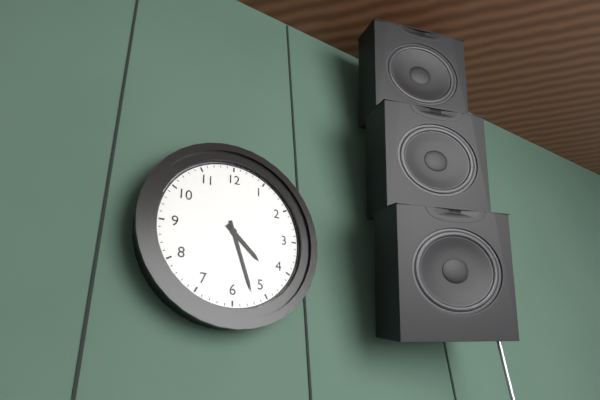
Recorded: 4,27
